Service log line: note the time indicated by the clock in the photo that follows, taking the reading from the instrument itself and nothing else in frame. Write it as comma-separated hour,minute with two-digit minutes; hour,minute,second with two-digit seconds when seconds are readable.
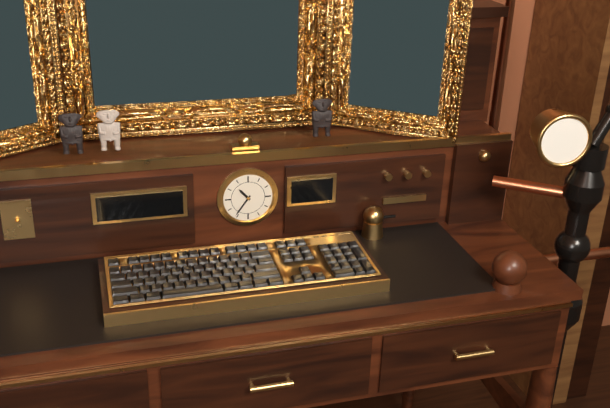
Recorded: 10,36
